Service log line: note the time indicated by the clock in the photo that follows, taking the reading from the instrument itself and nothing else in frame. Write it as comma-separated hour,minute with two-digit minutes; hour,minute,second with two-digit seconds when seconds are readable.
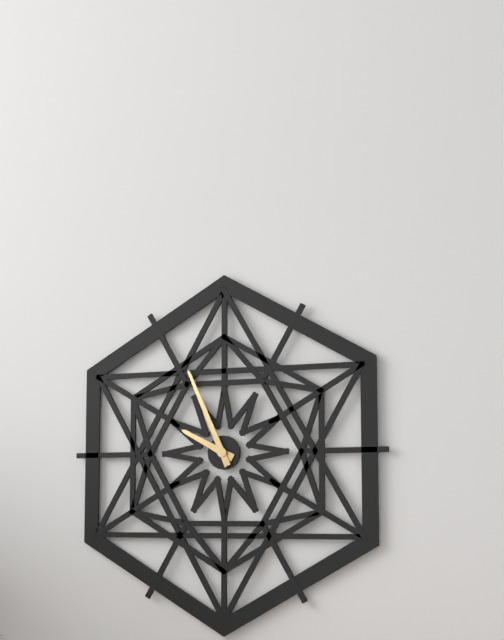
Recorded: 9,56
